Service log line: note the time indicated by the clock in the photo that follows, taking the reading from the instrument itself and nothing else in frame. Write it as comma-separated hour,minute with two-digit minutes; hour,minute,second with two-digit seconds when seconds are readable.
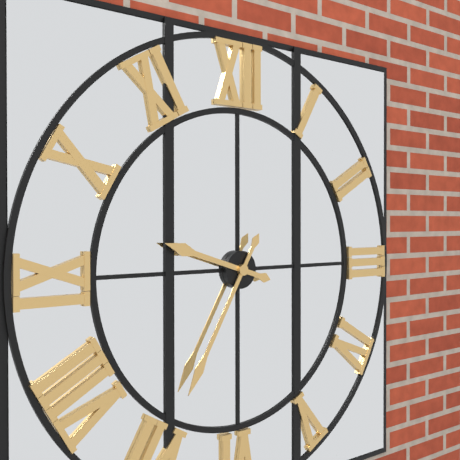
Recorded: 9,35
